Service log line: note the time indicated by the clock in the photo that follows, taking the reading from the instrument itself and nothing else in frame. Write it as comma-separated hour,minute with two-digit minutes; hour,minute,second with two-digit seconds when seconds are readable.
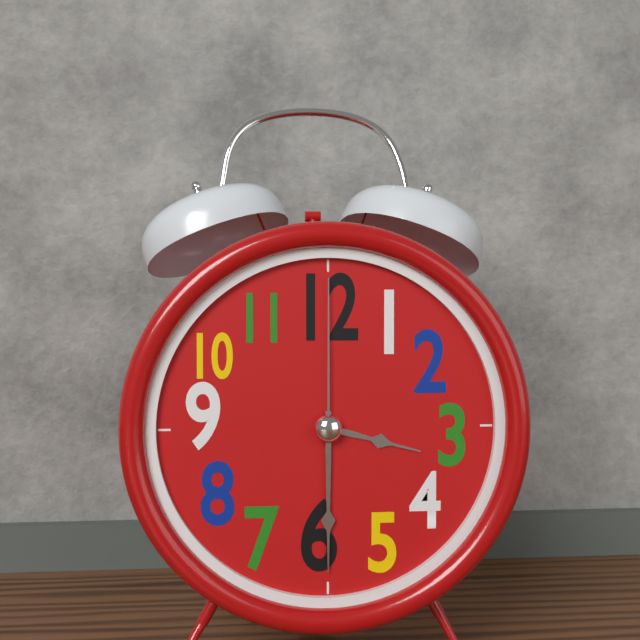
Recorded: 3,30,00
